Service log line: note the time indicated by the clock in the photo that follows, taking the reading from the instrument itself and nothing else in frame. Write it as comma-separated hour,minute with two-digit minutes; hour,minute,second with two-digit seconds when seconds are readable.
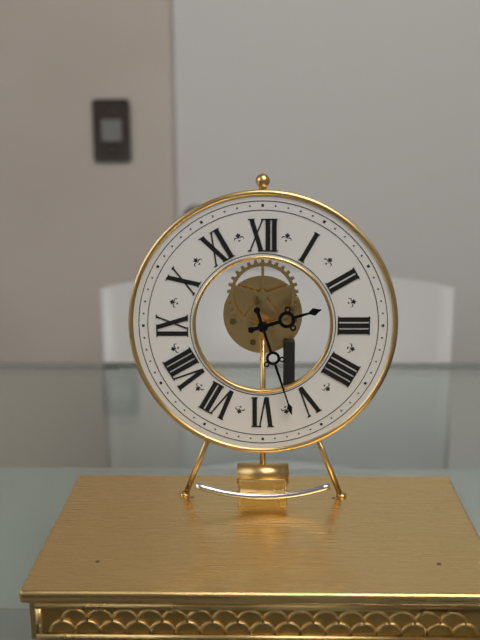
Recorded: 2,27
